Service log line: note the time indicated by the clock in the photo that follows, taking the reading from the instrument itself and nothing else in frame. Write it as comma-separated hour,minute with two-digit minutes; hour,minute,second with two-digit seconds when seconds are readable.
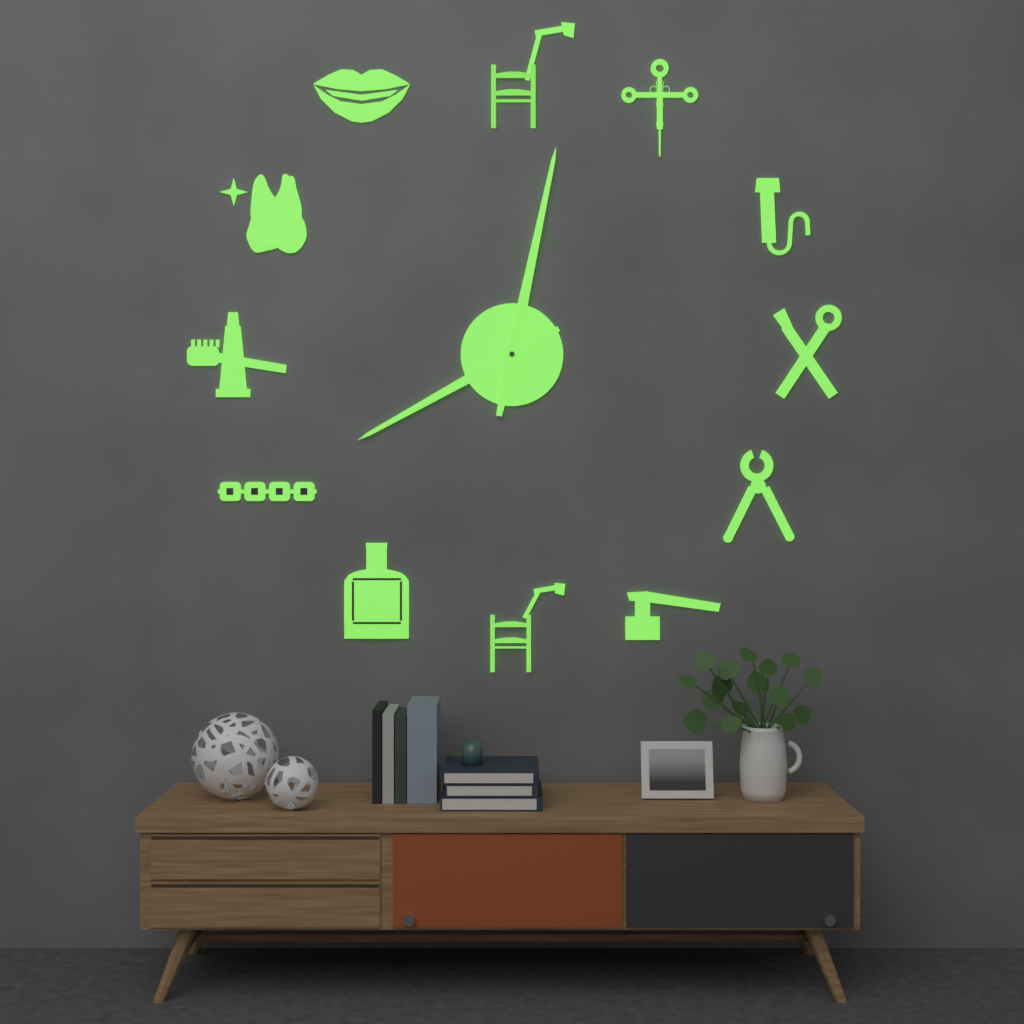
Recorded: 8,02
